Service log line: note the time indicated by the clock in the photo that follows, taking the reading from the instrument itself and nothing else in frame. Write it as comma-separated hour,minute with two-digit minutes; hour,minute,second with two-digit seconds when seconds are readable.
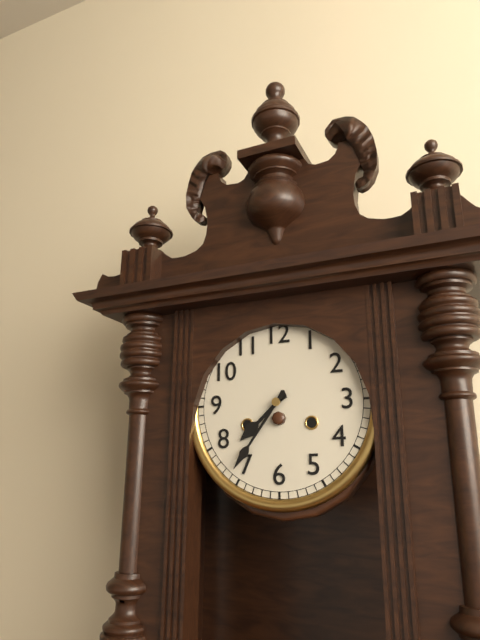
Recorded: 7,36
